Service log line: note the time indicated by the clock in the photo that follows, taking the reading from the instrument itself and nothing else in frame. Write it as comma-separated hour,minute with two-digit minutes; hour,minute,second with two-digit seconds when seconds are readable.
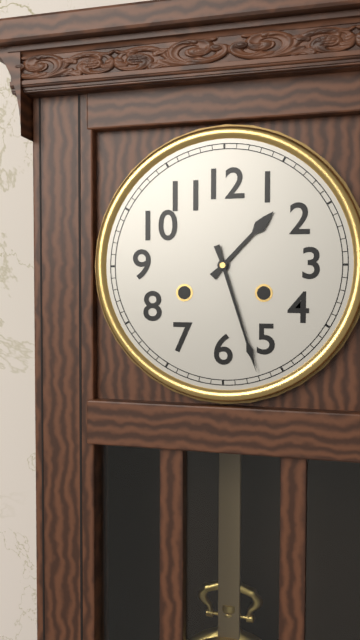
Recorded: 1,27
